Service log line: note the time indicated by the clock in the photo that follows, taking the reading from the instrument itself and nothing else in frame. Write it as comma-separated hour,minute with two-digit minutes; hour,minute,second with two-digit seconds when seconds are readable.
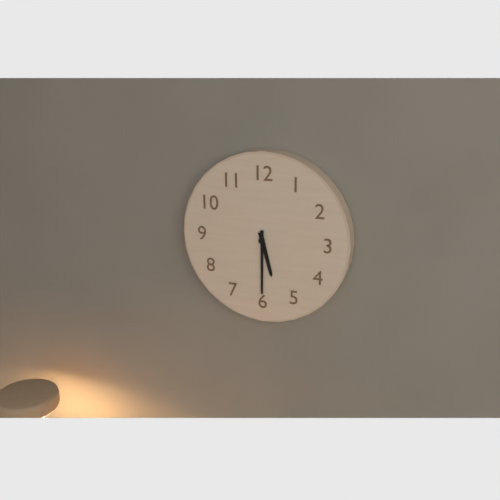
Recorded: 5,30
